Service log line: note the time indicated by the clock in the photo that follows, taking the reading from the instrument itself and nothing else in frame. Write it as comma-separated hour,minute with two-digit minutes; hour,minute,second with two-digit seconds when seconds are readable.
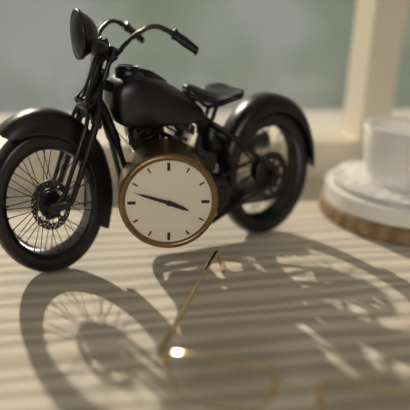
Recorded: 3,48
